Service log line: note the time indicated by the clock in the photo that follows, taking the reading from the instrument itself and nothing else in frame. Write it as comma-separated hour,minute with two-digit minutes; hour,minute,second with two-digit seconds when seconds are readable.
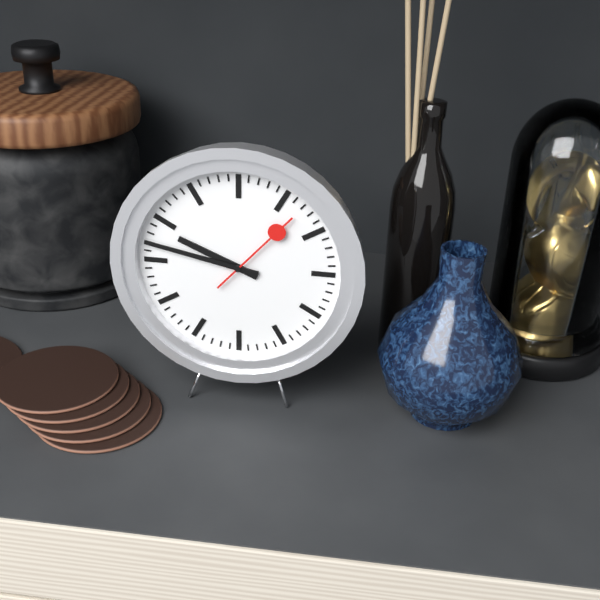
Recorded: 9,47,07
